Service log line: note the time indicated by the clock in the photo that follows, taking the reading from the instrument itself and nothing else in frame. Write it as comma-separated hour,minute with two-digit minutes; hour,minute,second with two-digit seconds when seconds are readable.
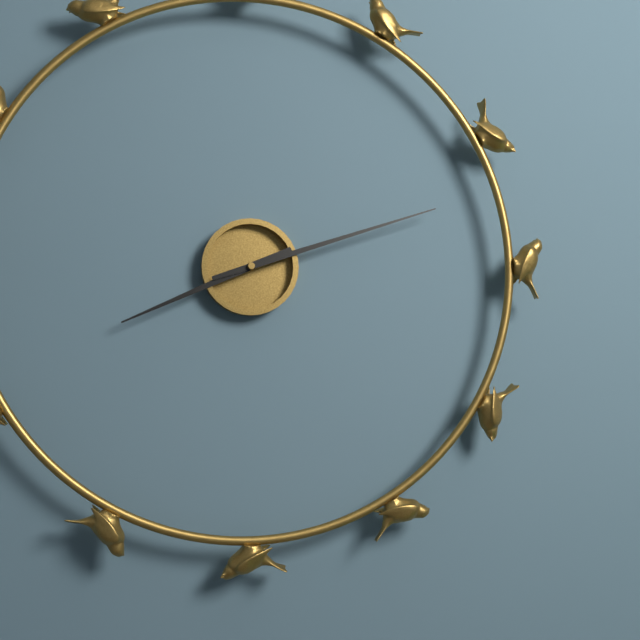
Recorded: 8,12
